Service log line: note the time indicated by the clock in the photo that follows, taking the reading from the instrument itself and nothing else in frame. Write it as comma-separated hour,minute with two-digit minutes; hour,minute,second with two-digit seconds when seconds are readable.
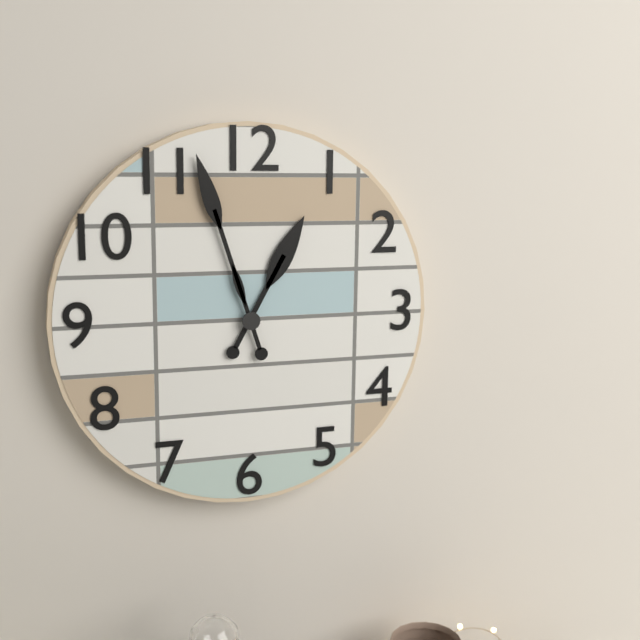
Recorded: 12,57
